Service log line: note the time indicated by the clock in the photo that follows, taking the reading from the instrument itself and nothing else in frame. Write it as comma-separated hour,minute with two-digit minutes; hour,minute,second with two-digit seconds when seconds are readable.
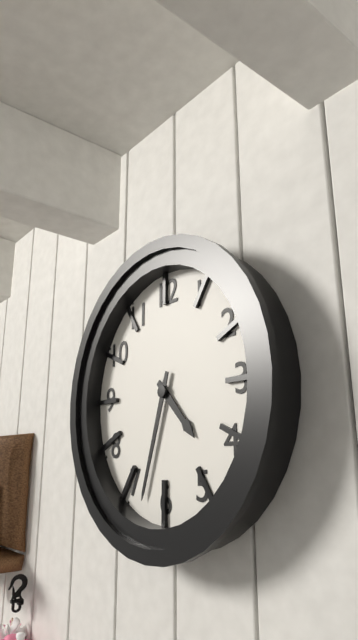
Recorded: 4,33
